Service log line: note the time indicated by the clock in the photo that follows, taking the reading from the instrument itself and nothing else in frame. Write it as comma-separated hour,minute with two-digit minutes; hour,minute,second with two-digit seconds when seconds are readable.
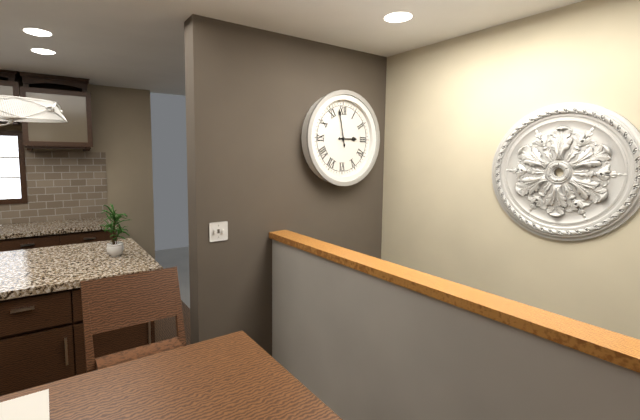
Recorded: 2,58
